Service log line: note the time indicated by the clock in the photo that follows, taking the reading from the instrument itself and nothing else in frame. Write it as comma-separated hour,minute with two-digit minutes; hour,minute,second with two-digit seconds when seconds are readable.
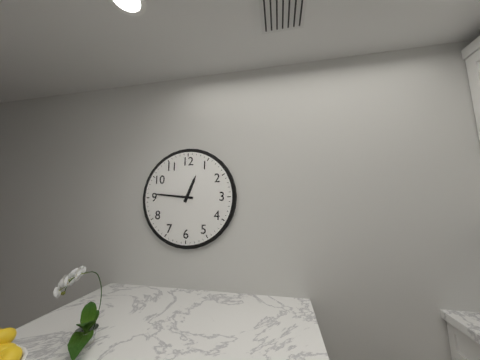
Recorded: 12,46
